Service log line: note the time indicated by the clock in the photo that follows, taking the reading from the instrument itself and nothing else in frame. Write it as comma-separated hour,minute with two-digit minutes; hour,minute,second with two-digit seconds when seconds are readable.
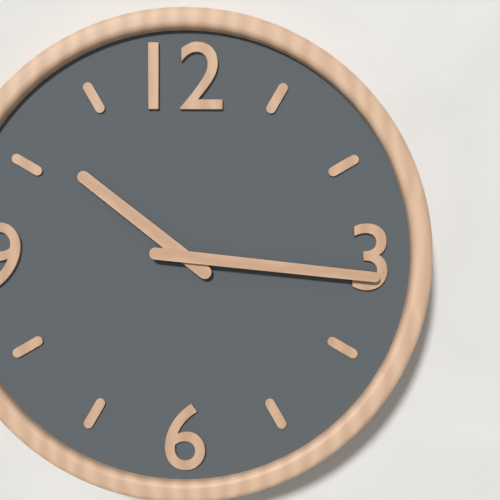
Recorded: 10,16
